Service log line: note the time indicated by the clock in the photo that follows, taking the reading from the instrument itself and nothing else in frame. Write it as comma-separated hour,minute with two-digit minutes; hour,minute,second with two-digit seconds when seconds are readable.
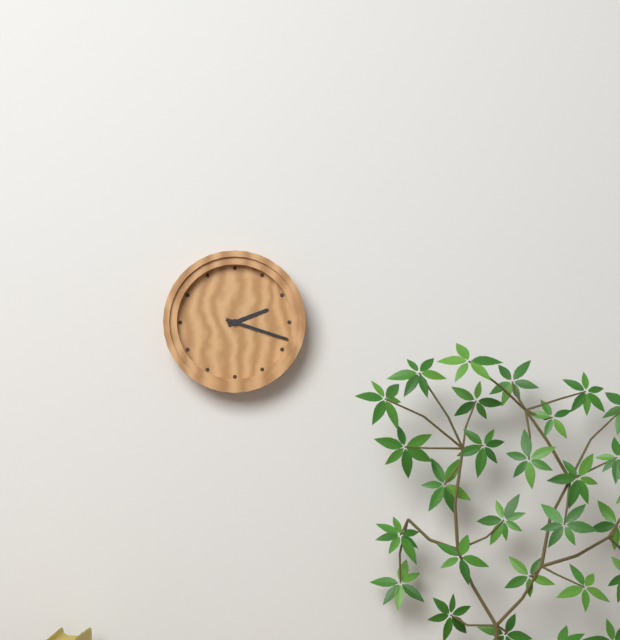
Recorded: 2,18
